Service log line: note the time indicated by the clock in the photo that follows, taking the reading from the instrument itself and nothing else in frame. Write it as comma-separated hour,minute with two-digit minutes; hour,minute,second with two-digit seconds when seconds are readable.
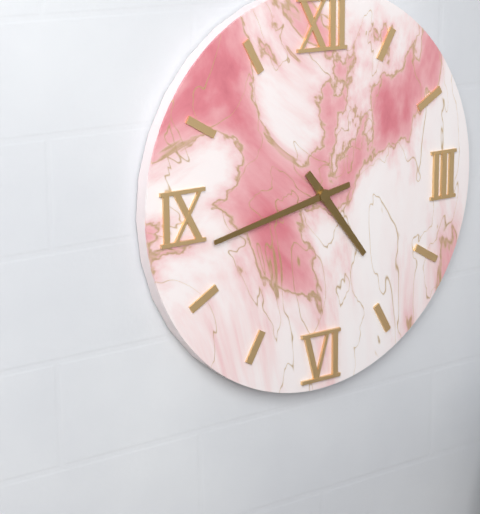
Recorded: 4,43
